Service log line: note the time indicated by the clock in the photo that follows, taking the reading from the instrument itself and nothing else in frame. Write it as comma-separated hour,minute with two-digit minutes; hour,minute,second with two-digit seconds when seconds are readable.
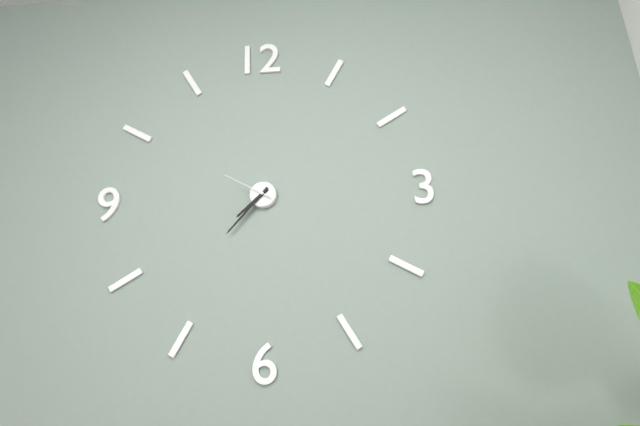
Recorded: 7,37,50
